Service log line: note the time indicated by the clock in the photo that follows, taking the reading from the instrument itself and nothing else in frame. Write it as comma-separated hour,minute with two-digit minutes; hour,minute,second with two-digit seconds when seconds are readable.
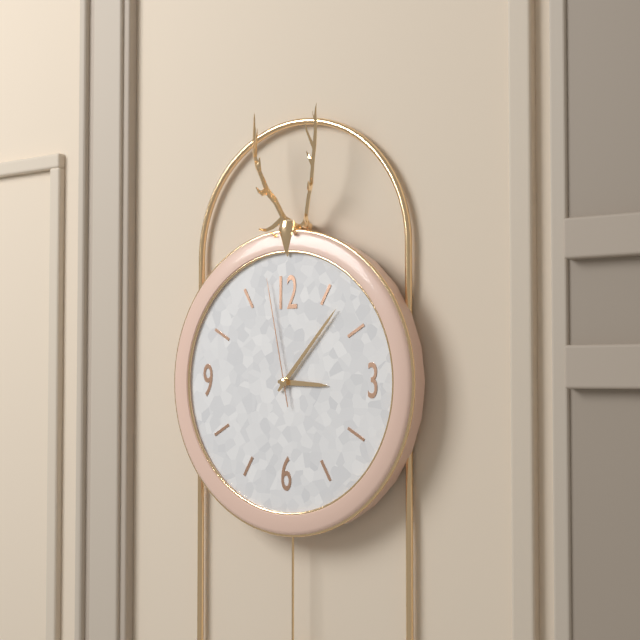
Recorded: 3,07,58
